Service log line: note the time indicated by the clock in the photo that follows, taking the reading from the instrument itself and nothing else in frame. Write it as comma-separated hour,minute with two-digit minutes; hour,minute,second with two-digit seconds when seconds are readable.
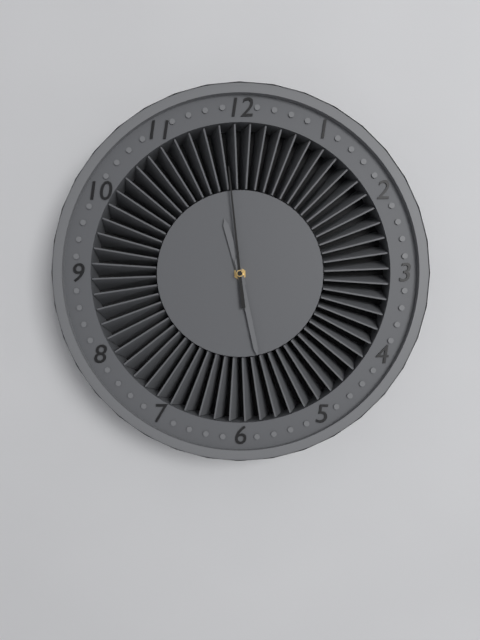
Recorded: 11,28,59
